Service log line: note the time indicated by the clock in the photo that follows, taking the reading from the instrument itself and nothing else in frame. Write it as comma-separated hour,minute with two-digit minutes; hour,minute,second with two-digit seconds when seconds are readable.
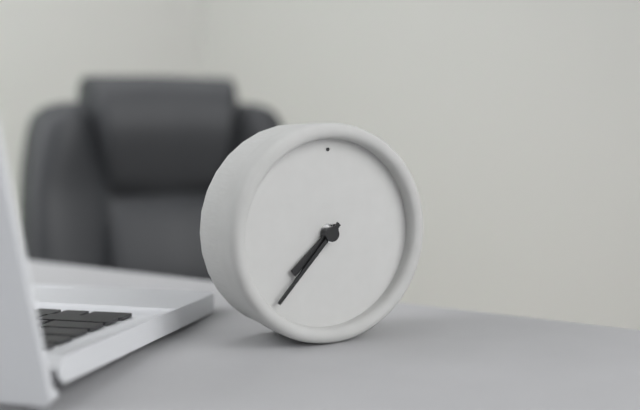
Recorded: 7,37
